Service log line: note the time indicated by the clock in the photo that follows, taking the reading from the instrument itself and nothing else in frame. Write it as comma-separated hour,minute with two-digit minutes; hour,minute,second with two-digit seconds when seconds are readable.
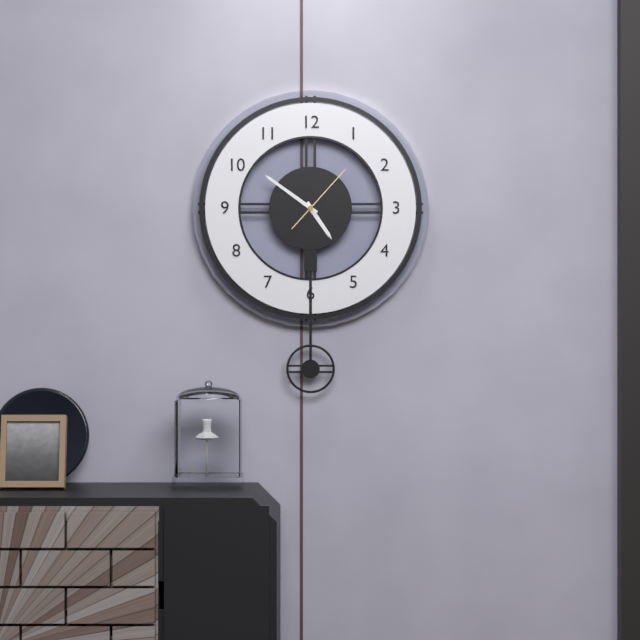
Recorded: 4,51,07
